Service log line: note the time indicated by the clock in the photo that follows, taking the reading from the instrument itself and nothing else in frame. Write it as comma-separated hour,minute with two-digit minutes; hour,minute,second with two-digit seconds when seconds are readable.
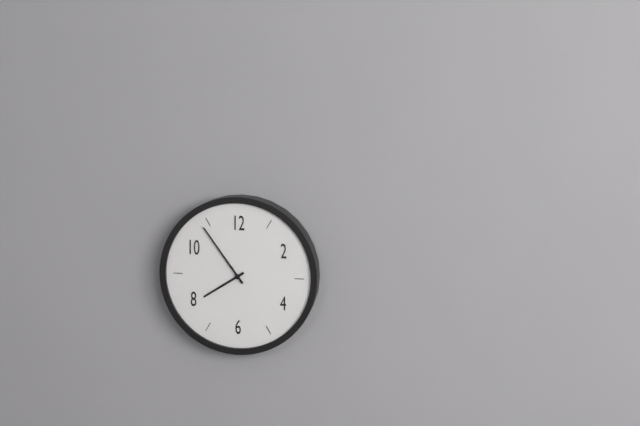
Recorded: 7,54
